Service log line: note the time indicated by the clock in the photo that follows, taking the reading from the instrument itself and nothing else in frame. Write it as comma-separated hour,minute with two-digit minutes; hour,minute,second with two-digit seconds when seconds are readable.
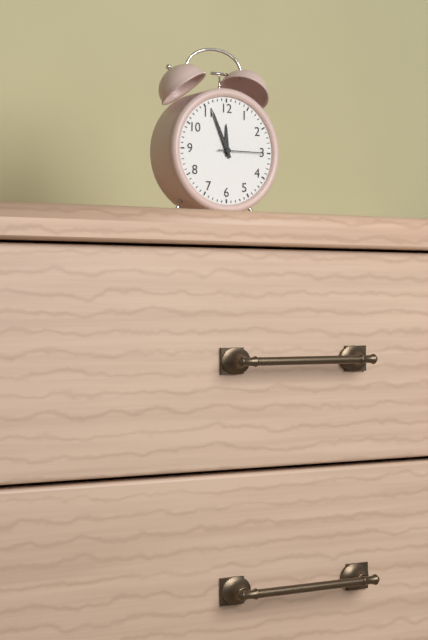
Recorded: 11,56
